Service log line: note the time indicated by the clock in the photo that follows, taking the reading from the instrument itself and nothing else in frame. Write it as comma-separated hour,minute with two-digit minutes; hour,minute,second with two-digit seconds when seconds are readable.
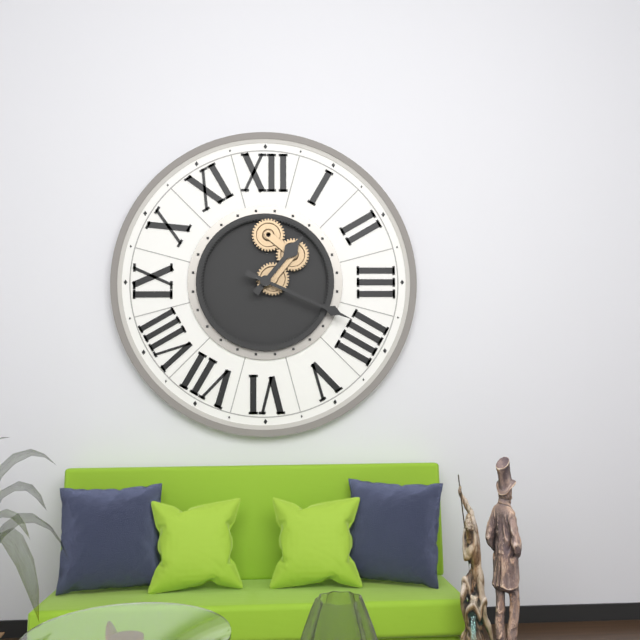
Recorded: 1,19
